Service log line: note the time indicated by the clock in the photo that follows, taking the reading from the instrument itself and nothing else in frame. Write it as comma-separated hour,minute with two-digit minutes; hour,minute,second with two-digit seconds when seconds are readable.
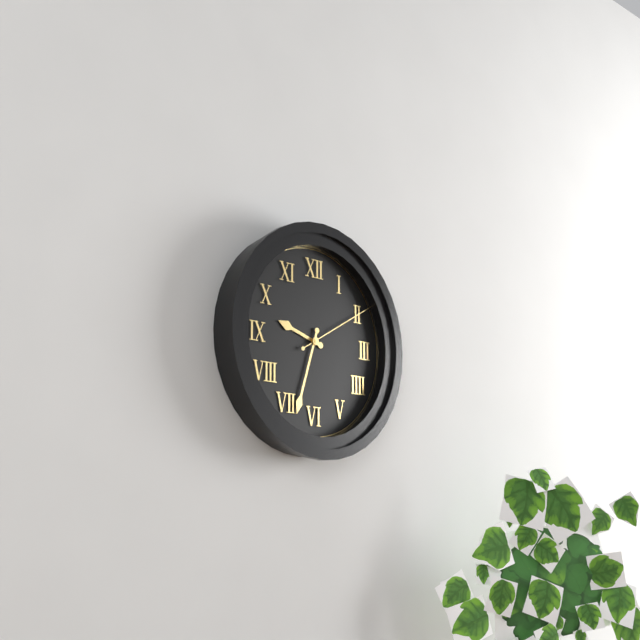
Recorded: 9,33,10
